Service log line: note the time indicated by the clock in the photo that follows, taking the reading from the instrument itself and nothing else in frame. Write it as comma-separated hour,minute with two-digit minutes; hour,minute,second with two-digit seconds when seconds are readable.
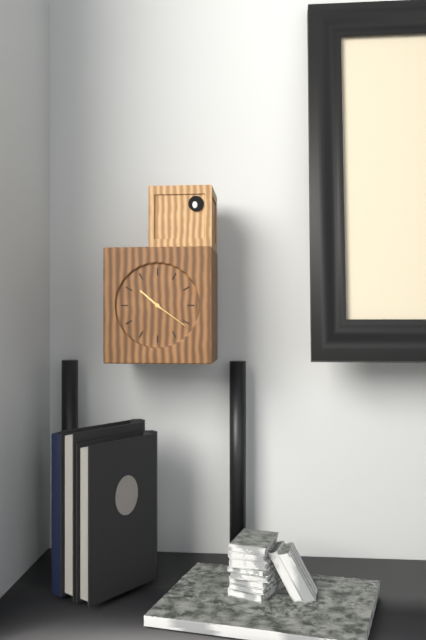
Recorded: 10,21
